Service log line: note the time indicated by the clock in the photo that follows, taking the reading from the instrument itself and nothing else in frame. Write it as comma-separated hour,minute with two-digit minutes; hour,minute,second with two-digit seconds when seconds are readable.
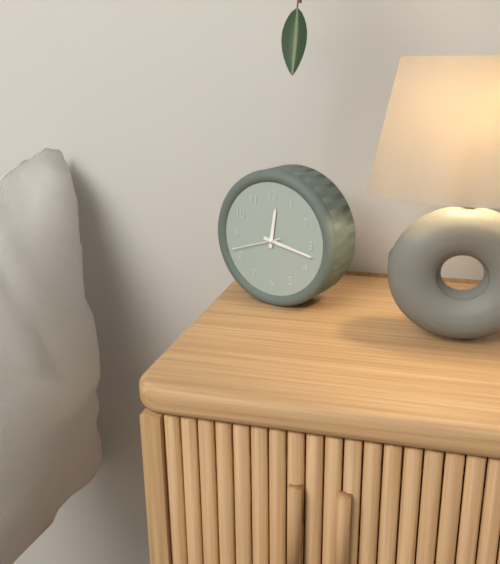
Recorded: 12,17,42
